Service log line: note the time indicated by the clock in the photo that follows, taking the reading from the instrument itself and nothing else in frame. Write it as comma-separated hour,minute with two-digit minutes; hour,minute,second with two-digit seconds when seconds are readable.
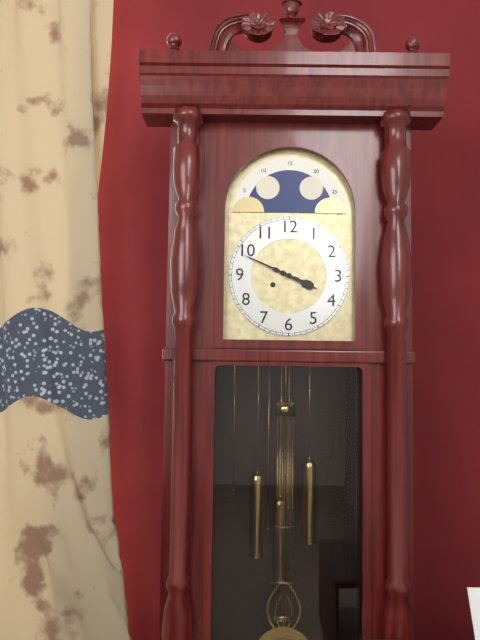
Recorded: 3,49
